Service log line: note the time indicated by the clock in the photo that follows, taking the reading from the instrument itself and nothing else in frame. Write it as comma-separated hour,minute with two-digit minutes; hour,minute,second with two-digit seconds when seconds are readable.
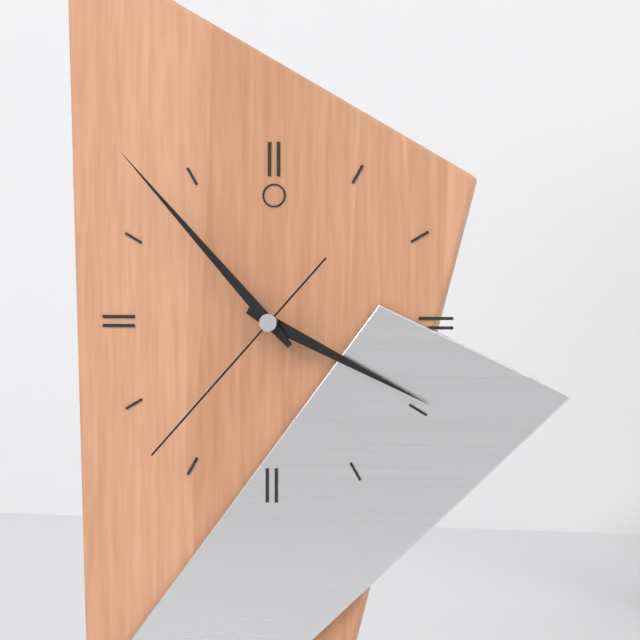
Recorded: 3,53,37
